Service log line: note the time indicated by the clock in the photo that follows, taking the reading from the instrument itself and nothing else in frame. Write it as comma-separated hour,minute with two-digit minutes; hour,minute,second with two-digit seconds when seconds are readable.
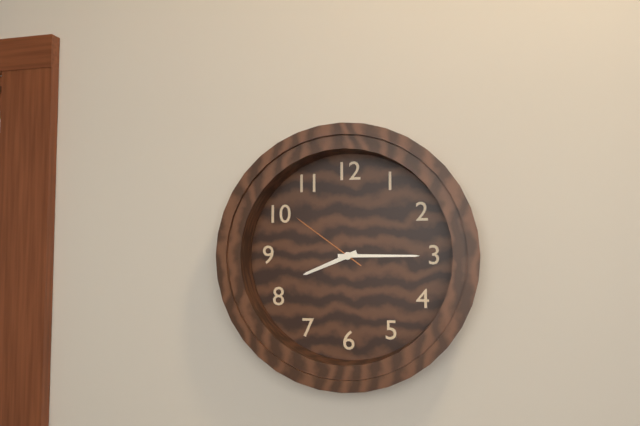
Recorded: 8,15,51
